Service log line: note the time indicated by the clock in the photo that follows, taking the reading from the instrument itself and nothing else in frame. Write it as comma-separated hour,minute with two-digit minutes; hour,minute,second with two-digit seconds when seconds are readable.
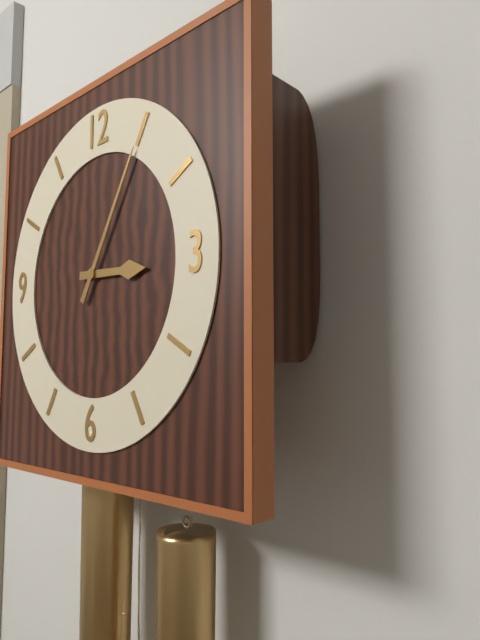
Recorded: 3,05
